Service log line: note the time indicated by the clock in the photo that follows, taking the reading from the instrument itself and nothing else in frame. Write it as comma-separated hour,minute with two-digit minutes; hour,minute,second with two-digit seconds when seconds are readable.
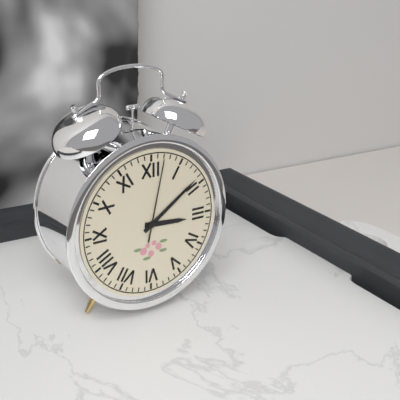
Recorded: 3,09,02
